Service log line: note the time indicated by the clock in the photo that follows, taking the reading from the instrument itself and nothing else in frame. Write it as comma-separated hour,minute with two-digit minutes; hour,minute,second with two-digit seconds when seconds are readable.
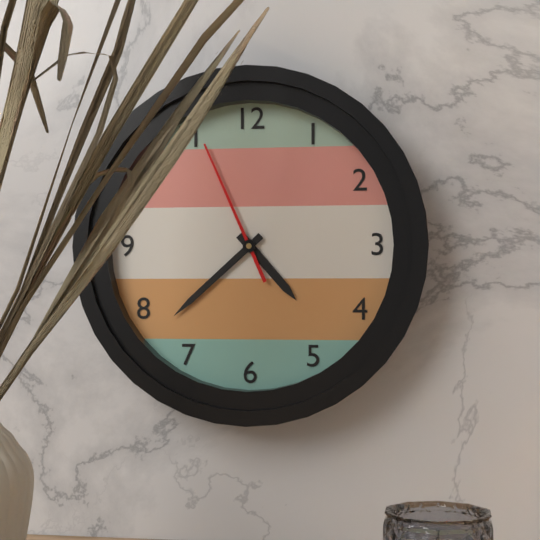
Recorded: 4,38,56
